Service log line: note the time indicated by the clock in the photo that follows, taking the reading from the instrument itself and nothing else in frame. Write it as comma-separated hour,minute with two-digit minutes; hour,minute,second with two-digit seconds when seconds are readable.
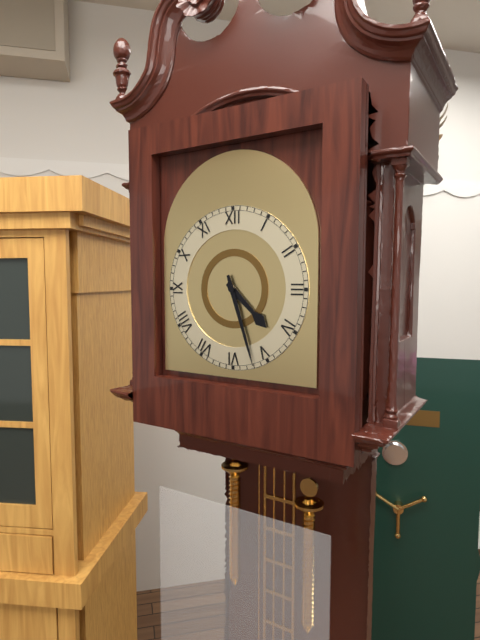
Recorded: 4,27
